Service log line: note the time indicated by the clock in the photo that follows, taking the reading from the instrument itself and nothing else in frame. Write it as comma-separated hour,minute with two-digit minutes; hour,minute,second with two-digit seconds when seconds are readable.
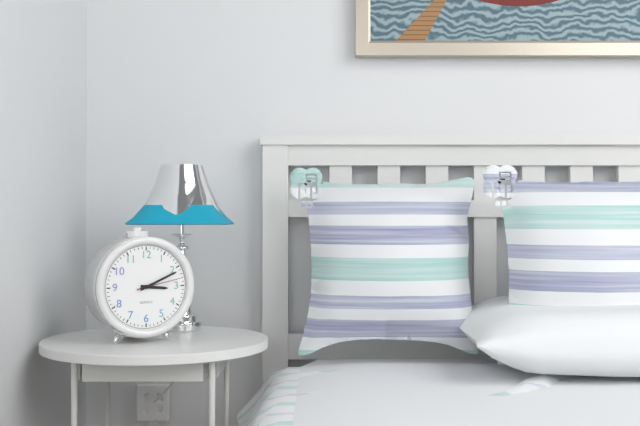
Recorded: 3,11
